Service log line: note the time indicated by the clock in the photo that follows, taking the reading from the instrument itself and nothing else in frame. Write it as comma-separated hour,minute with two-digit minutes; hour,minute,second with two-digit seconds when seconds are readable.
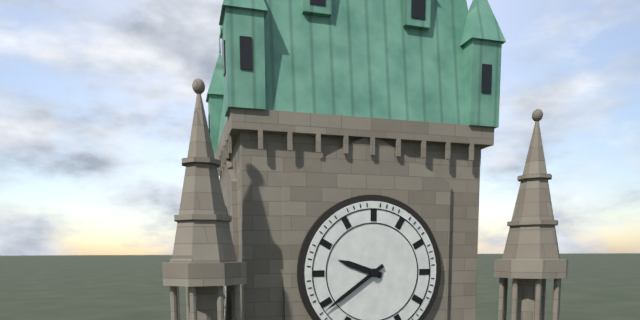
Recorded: 9,39
